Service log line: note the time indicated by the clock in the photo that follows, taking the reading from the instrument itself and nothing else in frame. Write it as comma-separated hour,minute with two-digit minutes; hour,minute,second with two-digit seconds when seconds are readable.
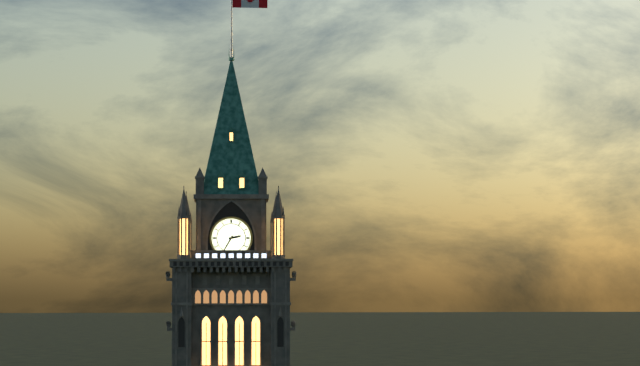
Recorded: 2,35
